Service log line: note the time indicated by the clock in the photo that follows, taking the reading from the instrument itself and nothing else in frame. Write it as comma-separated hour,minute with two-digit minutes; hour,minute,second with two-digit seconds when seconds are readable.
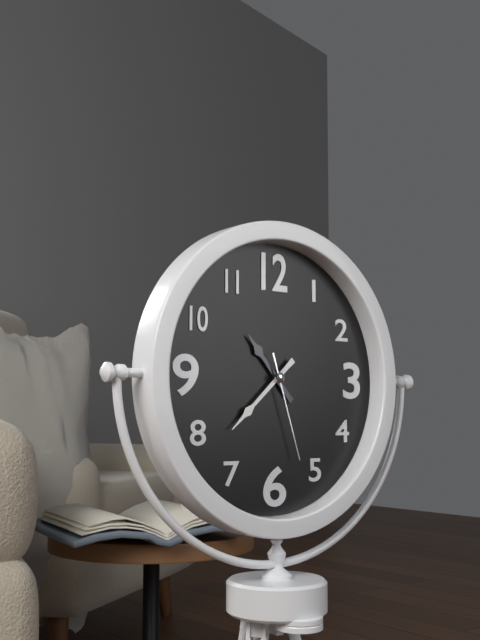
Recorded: 10,38,27
